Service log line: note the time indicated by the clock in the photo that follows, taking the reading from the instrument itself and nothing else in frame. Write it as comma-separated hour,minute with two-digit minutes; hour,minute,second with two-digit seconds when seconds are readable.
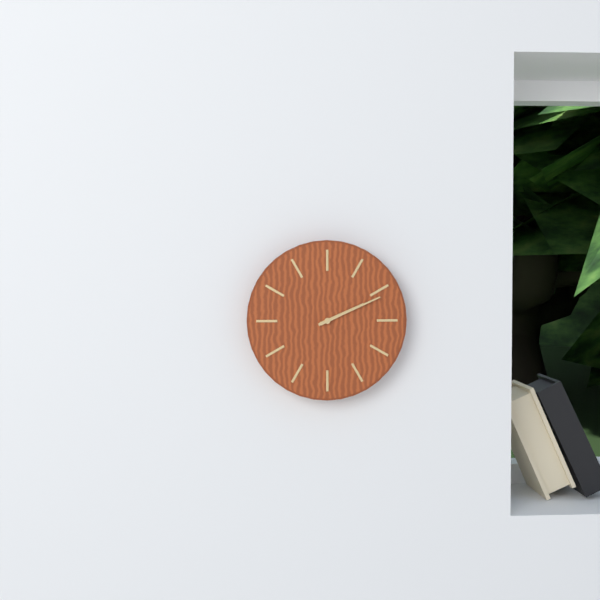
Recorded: 2,11
